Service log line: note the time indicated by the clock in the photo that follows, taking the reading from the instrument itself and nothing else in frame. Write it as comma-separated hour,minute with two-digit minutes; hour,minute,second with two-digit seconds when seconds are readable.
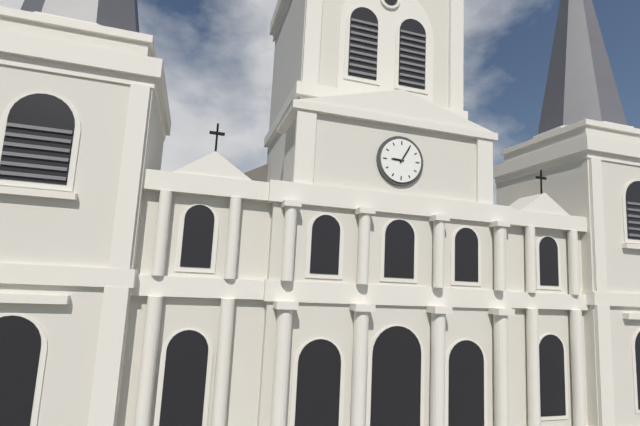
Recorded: 9,05
